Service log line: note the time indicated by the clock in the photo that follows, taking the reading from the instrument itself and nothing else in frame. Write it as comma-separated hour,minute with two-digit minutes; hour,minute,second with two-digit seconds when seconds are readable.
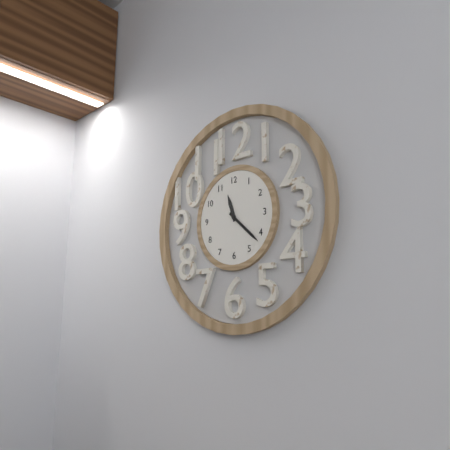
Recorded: 11,22
